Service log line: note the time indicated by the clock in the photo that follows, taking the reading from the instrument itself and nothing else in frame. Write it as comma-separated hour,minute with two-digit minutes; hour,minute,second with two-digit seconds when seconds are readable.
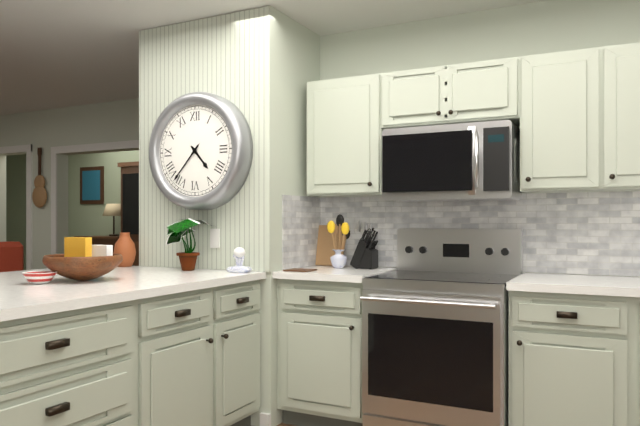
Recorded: 4,37
